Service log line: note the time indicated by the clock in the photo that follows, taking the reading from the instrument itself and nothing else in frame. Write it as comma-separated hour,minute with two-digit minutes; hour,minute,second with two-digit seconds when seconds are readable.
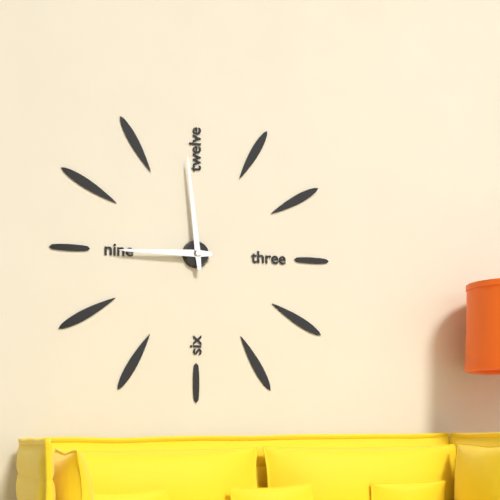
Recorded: 8,59
